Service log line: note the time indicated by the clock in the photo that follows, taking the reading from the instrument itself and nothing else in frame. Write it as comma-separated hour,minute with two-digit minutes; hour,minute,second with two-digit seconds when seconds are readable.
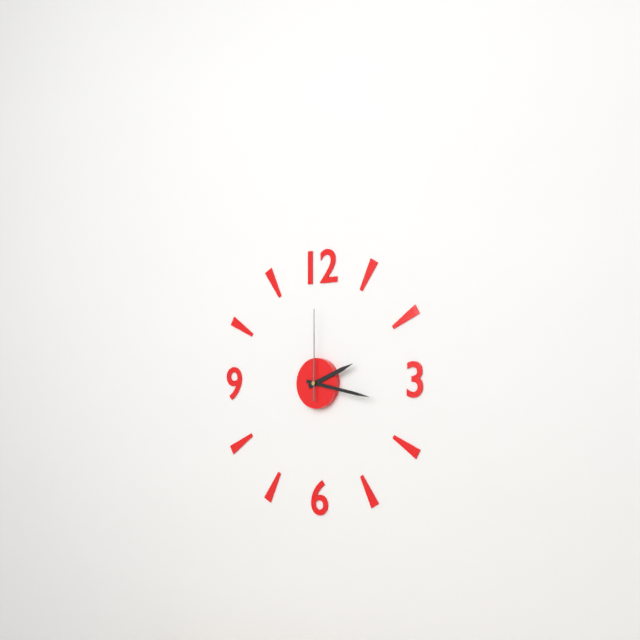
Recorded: 2,17,00
